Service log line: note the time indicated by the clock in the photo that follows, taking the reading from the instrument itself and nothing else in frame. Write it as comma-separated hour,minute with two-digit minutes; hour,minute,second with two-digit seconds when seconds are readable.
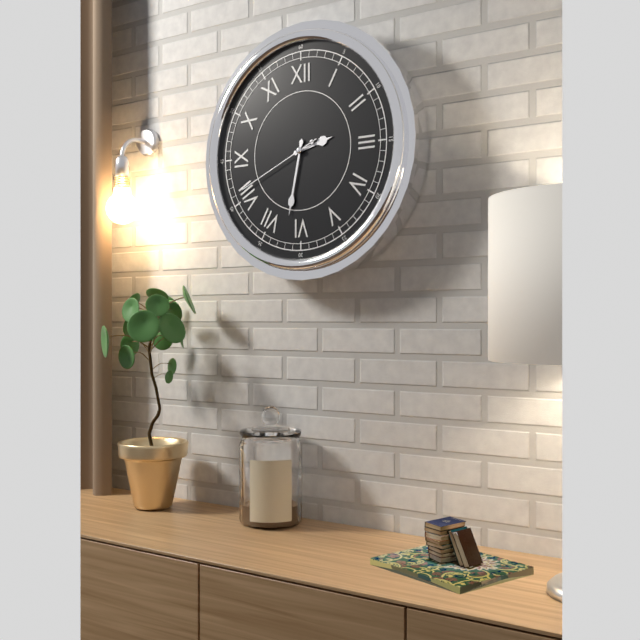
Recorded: 2,32,41
